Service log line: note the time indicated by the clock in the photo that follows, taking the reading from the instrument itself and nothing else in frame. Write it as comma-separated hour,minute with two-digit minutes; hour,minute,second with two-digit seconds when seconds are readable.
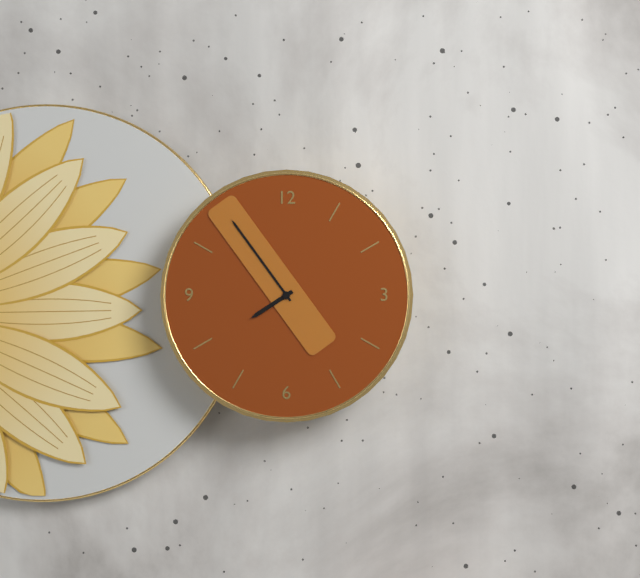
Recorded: 7,54
